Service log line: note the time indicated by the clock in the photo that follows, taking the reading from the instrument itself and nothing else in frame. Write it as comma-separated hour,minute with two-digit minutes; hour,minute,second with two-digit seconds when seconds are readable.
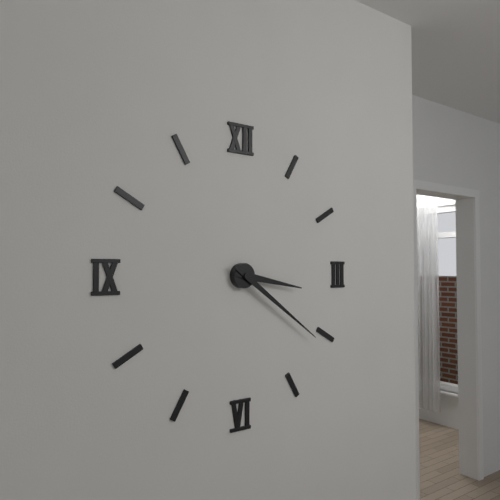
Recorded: 3,21
